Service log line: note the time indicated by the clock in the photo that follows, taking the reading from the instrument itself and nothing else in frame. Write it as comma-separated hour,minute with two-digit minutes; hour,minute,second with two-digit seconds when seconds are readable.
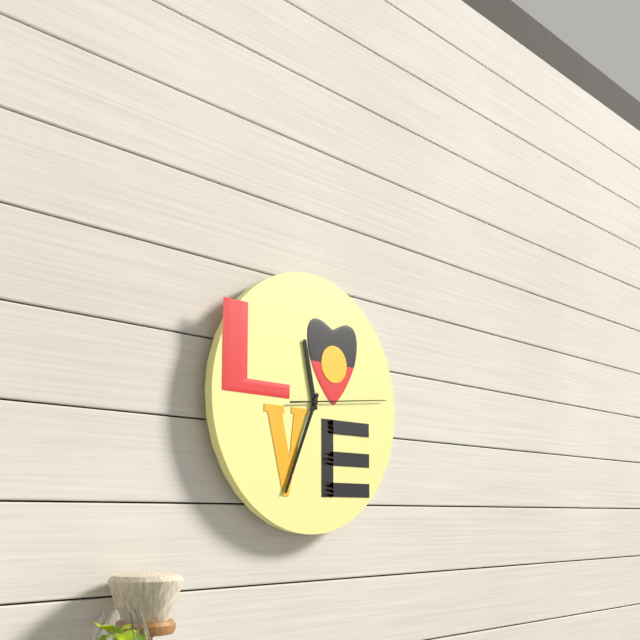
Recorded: 11,34,14
